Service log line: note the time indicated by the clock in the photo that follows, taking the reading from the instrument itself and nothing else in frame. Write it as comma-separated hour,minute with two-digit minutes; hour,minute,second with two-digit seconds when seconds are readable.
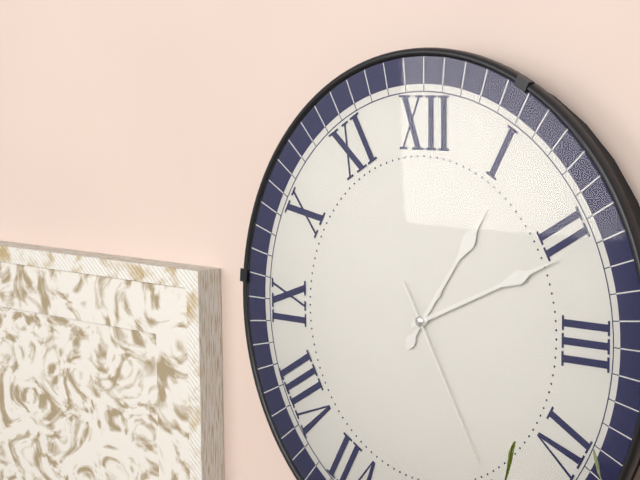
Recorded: 1,11,25
